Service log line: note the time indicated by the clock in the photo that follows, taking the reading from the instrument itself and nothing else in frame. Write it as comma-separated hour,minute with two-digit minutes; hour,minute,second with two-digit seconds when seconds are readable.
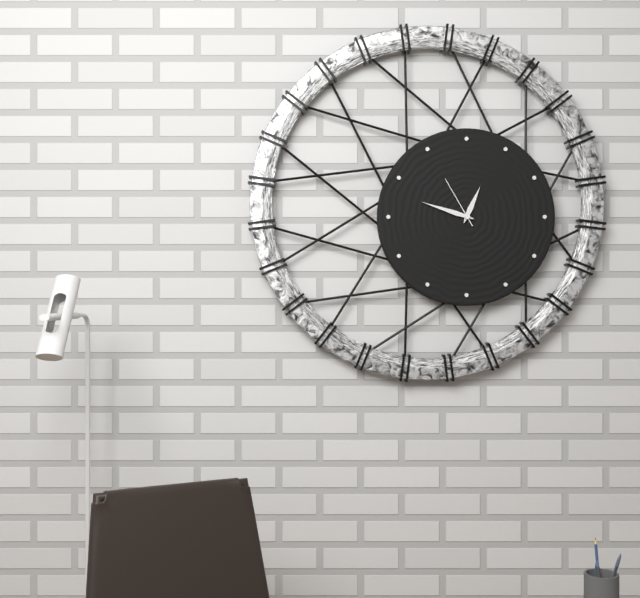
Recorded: 12,48,55
